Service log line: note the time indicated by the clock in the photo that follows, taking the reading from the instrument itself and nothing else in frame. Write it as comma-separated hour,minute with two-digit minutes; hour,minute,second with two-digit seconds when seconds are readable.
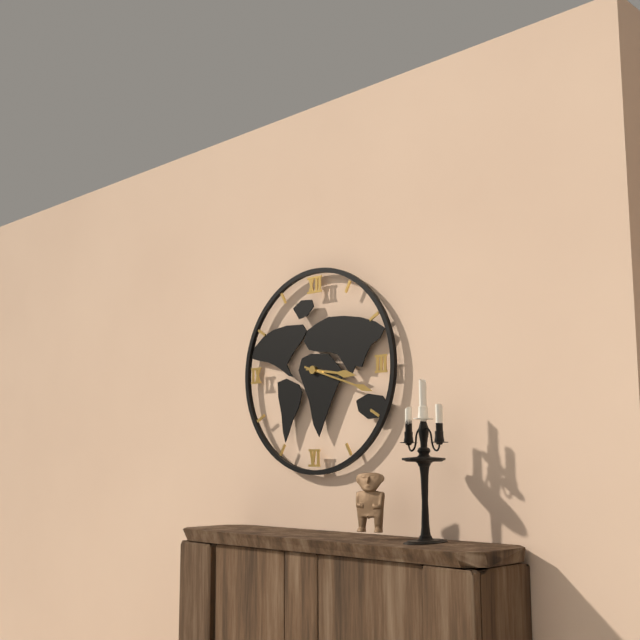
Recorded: 3,18
